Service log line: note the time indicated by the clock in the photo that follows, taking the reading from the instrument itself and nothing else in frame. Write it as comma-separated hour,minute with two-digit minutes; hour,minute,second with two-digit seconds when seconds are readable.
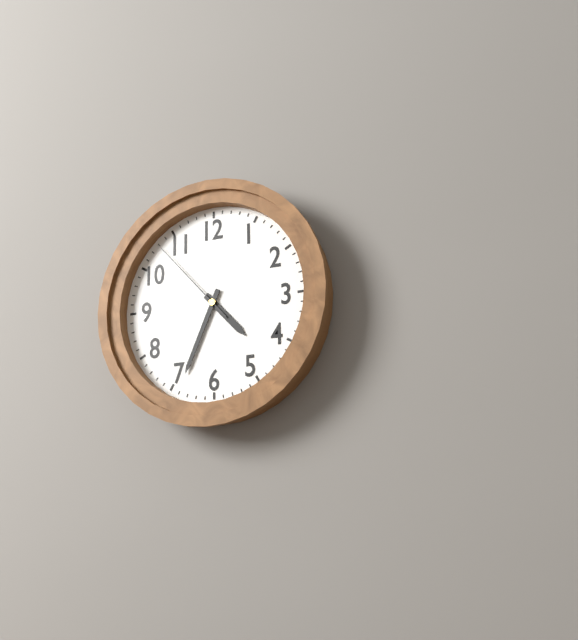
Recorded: 4,34,53
